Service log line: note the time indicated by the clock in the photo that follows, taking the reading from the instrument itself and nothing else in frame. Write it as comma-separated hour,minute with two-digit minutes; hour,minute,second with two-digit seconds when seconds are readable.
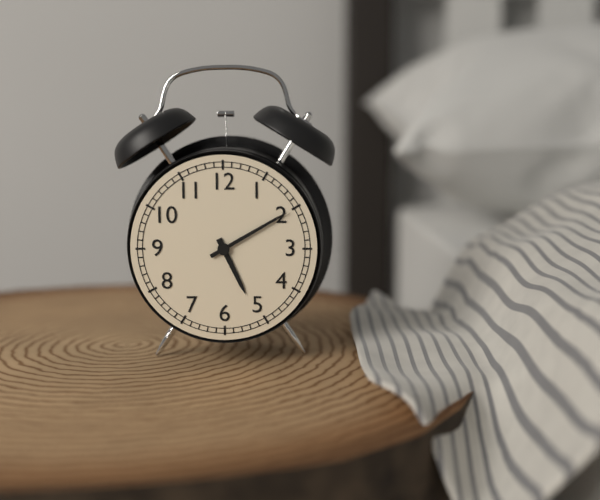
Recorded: 5,10
